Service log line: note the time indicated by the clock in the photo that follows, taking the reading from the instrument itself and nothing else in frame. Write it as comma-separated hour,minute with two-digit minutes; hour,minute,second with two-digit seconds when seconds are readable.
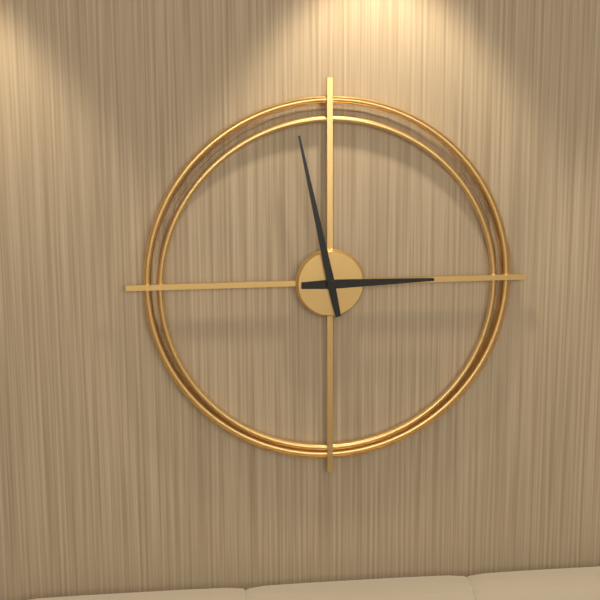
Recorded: 2,58
